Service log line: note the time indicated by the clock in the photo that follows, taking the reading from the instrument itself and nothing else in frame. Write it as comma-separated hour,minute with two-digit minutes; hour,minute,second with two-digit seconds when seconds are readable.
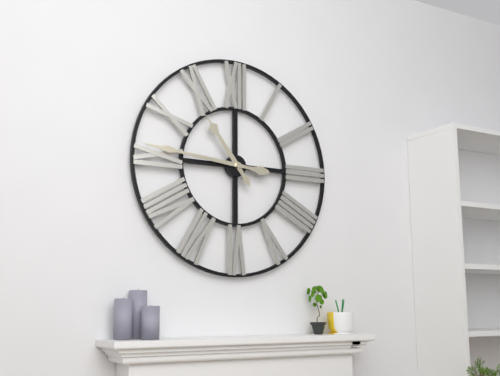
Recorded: 10,46
